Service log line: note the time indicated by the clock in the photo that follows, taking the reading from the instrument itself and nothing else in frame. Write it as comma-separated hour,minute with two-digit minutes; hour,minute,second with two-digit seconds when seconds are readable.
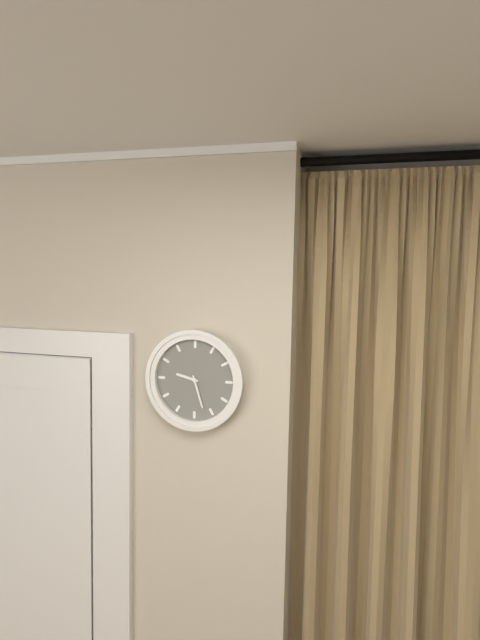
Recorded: 9,27
